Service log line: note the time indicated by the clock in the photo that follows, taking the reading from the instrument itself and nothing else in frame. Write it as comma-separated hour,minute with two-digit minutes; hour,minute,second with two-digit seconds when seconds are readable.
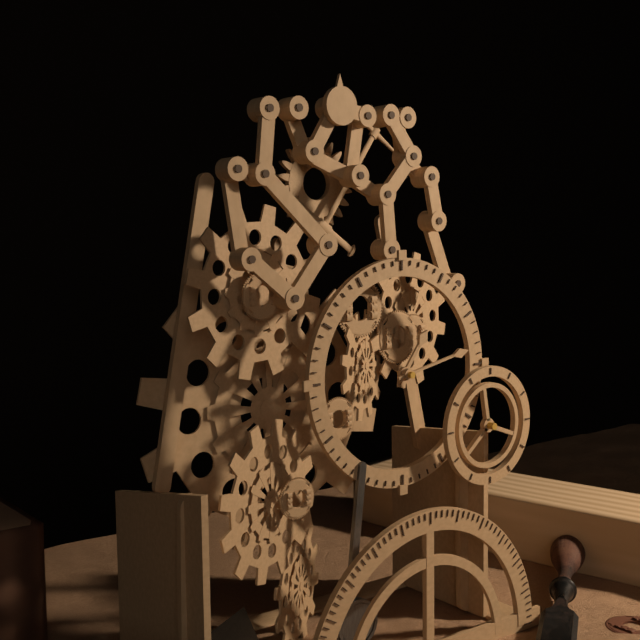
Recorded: 1,13
